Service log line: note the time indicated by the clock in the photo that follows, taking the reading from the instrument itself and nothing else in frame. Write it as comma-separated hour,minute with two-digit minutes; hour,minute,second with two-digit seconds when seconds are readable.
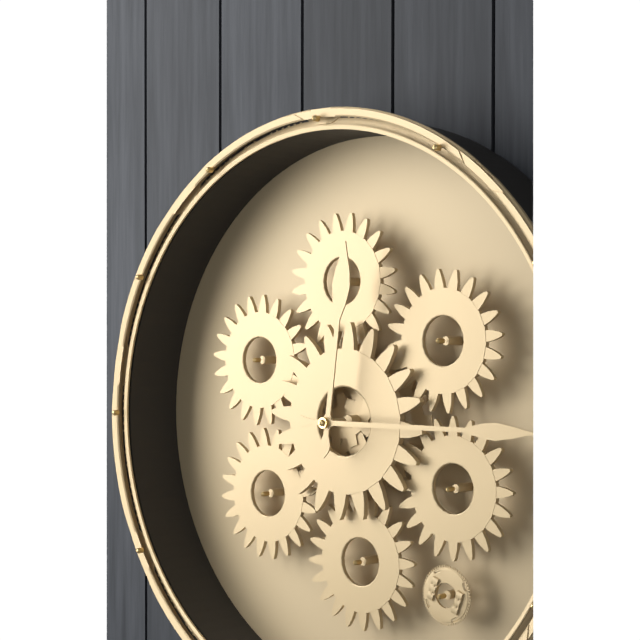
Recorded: 12,15
